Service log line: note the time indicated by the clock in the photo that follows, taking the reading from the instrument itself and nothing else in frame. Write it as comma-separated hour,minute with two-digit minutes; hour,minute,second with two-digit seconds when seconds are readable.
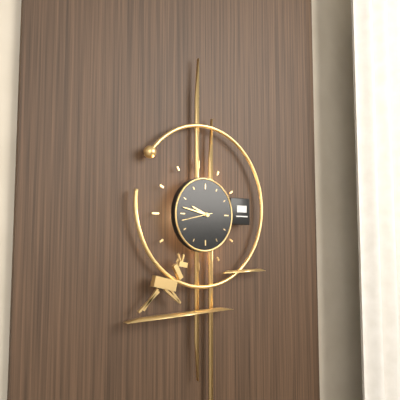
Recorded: 9,47
